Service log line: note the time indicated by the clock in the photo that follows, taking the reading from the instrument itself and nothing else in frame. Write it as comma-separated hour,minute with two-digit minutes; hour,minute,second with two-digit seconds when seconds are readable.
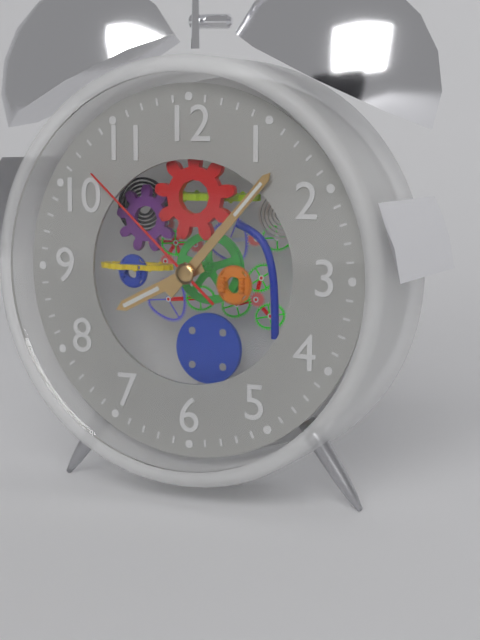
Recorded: 8,07,52
